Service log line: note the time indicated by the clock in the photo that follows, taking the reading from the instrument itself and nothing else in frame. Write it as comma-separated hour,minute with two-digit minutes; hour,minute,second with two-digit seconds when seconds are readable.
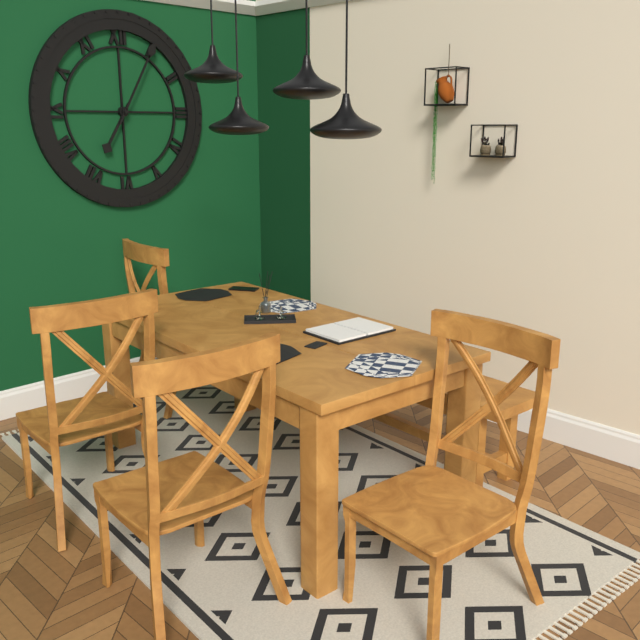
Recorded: 7,05
